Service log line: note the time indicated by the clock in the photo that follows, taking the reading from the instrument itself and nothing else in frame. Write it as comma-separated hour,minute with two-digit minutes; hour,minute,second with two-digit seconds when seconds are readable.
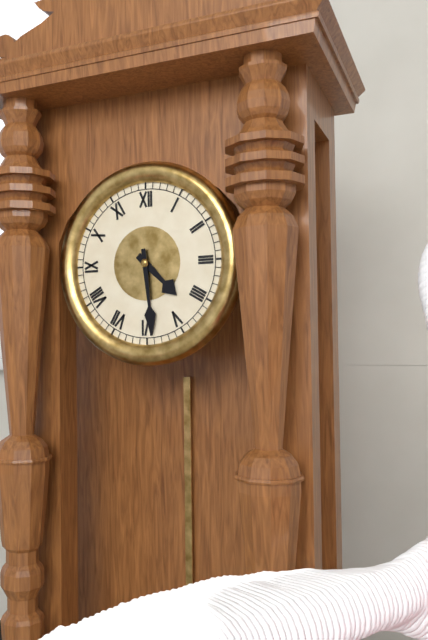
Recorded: 4,29
